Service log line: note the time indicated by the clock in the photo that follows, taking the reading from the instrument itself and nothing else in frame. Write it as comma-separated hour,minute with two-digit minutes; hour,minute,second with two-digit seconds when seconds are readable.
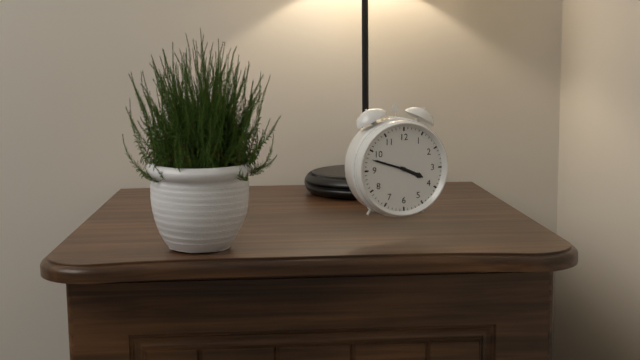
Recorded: 3,48
